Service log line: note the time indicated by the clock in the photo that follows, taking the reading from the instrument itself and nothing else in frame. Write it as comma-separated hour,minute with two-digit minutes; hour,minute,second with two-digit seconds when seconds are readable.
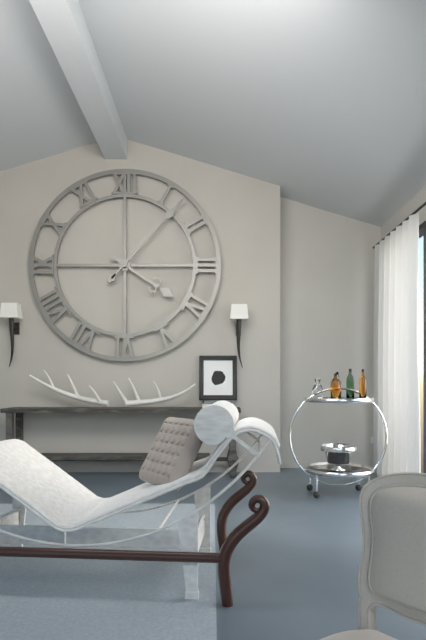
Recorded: 4,07
